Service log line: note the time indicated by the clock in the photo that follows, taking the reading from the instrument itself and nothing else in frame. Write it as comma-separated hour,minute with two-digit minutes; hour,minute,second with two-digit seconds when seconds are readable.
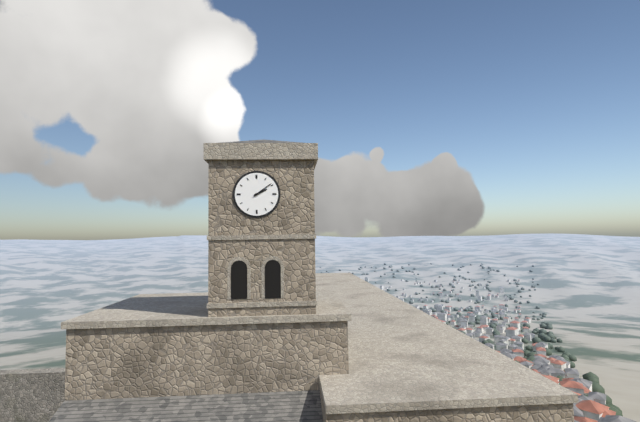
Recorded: 2,09
